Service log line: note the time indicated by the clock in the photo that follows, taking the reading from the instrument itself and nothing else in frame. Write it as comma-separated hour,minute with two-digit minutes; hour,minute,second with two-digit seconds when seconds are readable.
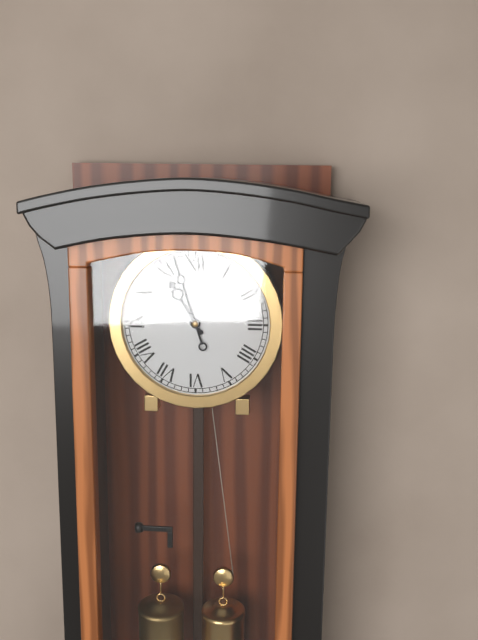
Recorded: 10,57
